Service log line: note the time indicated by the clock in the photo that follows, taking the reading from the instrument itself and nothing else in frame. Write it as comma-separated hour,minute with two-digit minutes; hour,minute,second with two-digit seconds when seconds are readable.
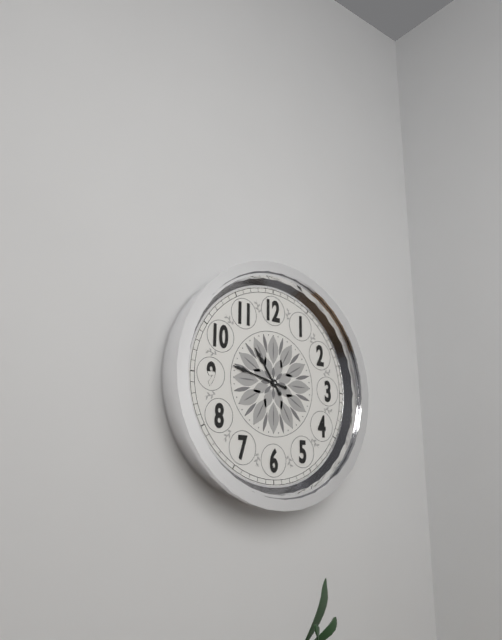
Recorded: 10,47
